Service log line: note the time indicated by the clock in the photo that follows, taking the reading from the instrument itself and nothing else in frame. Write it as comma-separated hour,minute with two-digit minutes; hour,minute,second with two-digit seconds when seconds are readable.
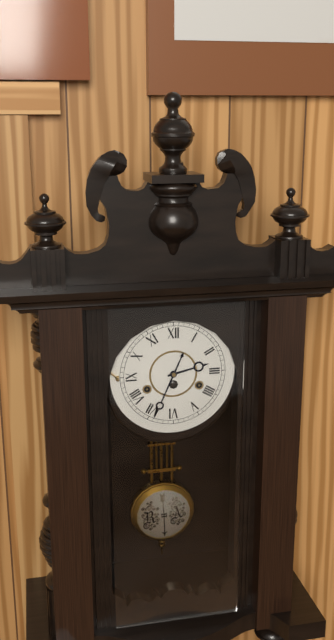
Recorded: 2,34
